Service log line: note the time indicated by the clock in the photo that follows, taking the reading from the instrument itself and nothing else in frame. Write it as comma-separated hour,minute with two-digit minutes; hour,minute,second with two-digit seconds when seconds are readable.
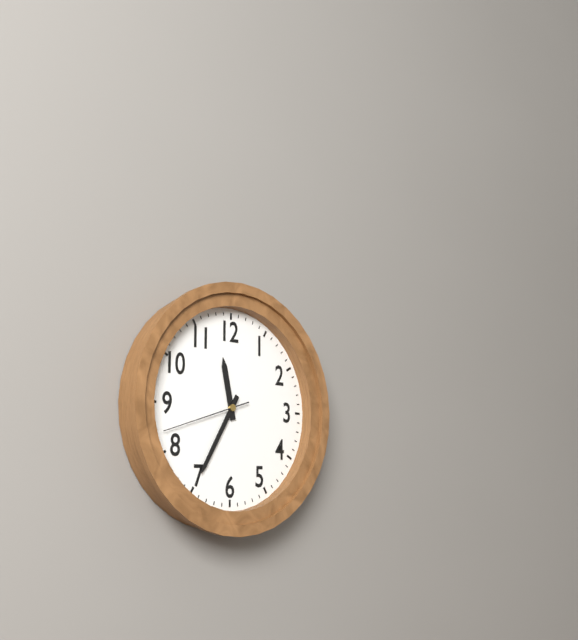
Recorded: 11,35,42
